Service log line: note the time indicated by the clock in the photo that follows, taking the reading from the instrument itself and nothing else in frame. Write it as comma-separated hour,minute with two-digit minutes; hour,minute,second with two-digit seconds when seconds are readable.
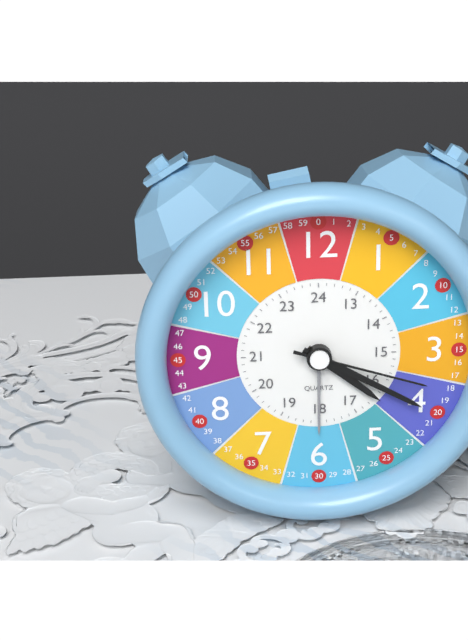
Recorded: 4,20,18
